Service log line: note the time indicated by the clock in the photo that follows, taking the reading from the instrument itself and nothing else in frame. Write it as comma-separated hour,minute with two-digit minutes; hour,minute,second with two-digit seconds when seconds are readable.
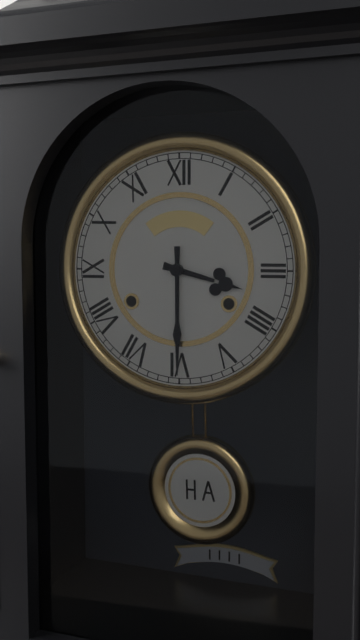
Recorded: 3,30
